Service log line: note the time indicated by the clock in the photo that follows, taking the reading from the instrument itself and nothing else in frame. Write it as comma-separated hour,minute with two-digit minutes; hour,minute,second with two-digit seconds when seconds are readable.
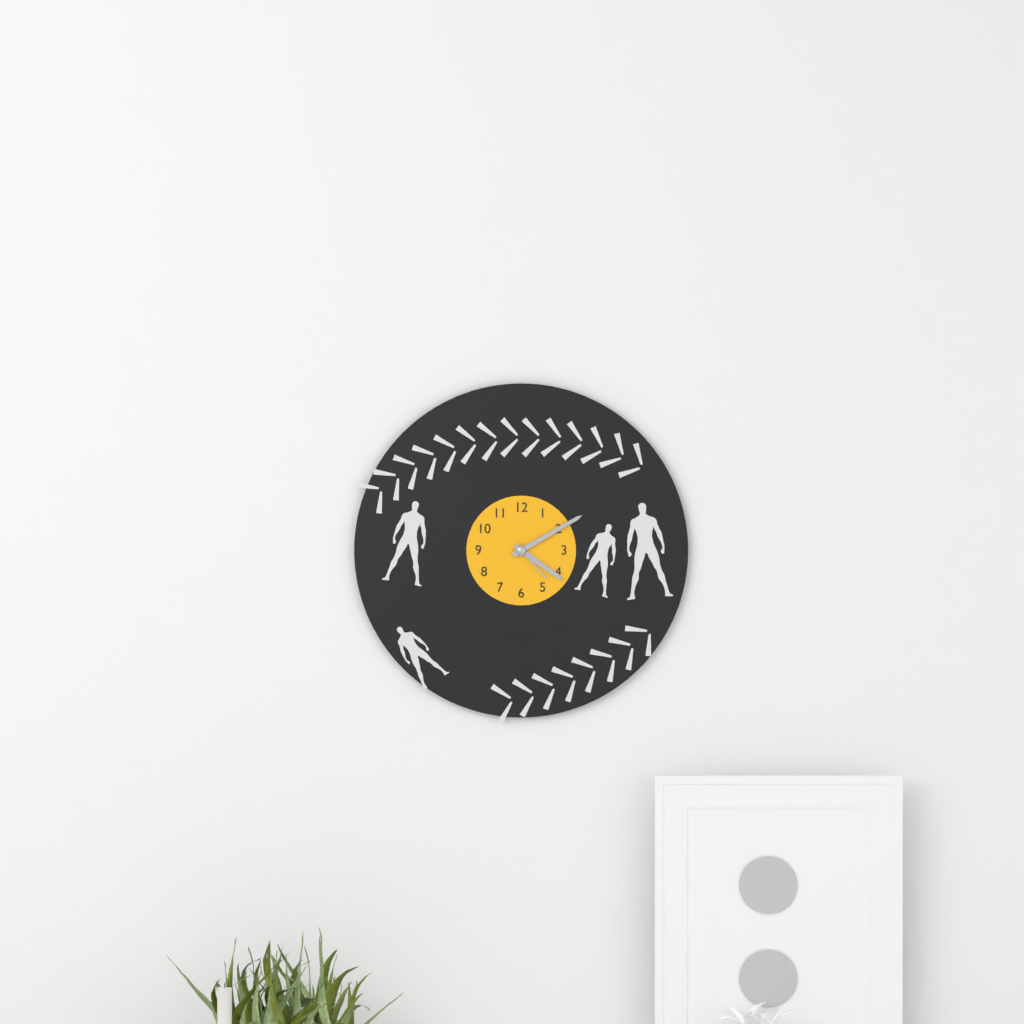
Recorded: 4,10
